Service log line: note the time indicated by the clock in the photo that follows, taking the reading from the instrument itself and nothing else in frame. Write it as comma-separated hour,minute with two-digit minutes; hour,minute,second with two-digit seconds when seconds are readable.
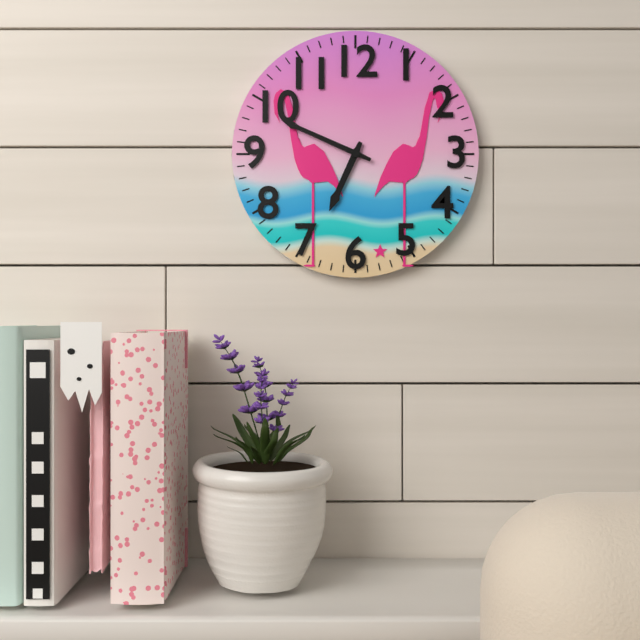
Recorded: 6,49
